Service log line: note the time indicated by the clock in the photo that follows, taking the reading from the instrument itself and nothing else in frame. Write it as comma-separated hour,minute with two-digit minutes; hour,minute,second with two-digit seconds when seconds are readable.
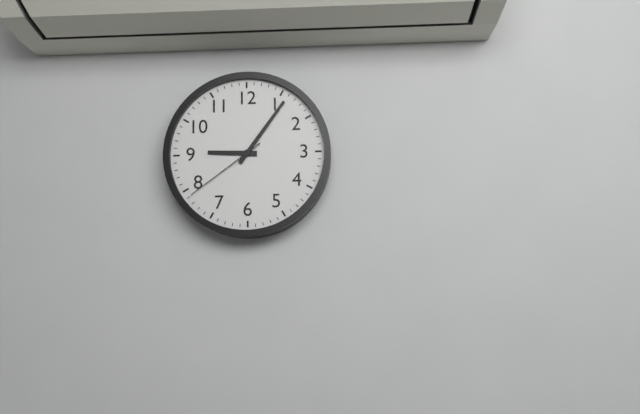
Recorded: 9,06,39
